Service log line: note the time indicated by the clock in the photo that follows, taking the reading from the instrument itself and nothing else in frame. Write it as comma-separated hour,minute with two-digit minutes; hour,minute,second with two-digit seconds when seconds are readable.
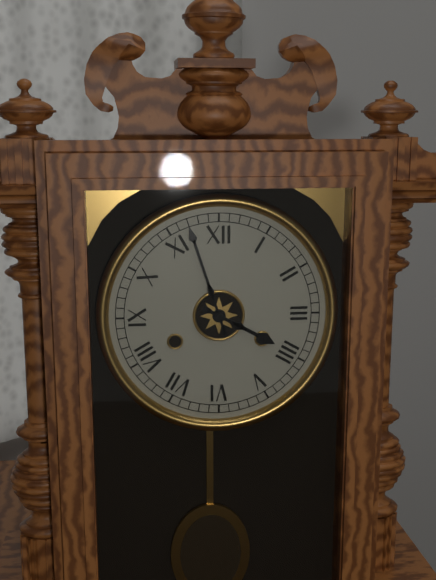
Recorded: 3,57
